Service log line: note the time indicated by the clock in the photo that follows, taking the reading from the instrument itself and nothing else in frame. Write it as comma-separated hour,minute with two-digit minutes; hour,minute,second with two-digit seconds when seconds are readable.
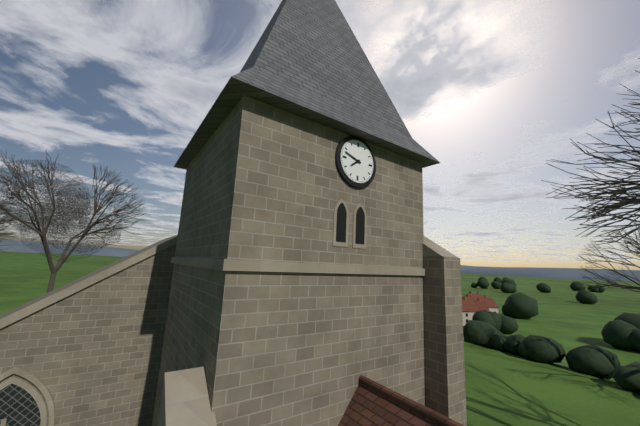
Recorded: 7,48
